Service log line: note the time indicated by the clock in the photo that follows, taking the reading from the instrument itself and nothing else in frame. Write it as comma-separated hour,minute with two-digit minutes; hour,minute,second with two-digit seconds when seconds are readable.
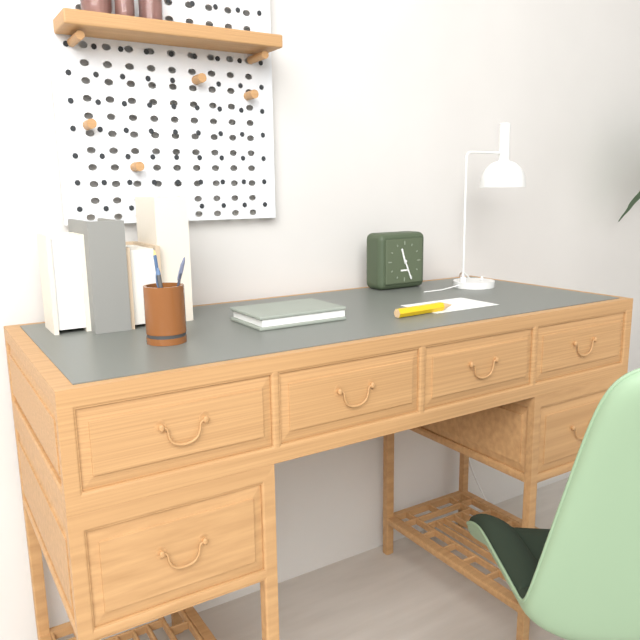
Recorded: 11,26
